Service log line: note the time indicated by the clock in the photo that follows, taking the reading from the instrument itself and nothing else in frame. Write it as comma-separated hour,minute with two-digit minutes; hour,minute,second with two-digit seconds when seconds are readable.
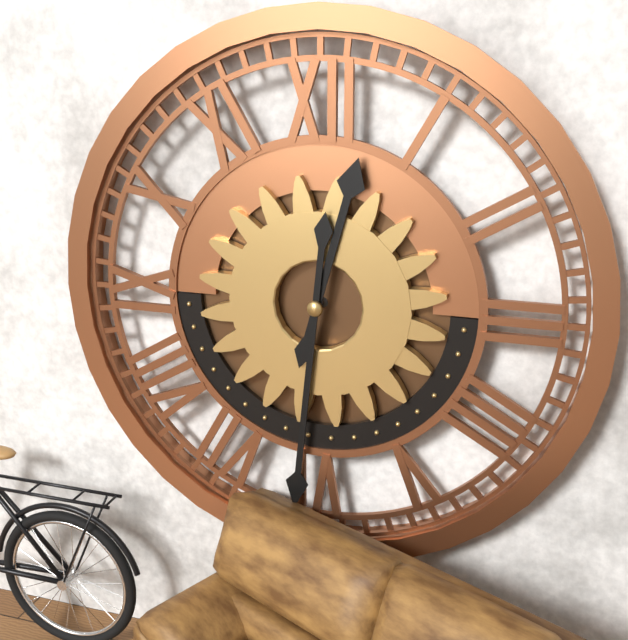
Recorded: 12,31
